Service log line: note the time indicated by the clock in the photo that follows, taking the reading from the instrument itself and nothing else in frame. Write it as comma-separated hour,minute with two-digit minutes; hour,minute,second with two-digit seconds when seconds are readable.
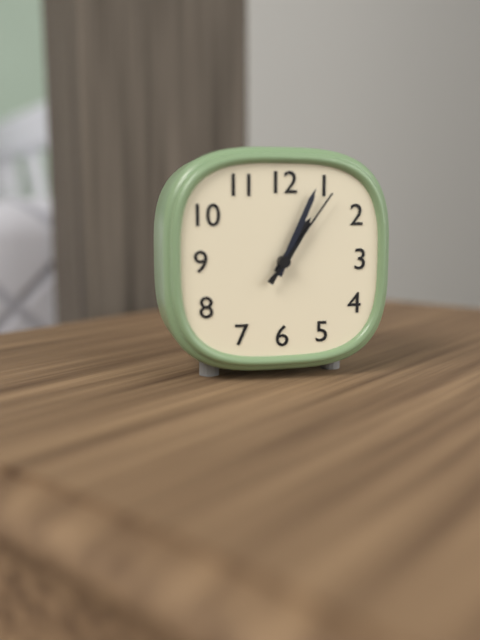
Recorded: 1,04,06
